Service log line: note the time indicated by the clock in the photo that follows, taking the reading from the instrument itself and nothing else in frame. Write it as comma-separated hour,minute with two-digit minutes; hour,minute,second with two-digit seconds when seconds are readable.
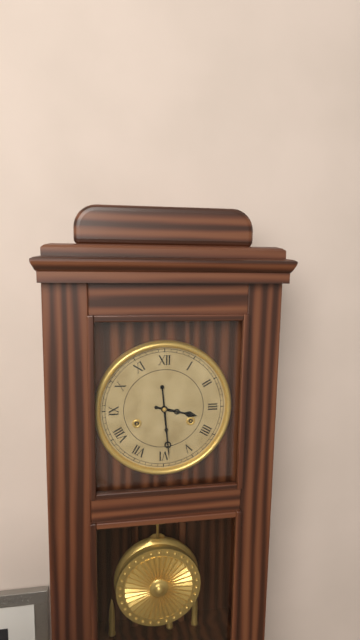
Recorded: 3,29
